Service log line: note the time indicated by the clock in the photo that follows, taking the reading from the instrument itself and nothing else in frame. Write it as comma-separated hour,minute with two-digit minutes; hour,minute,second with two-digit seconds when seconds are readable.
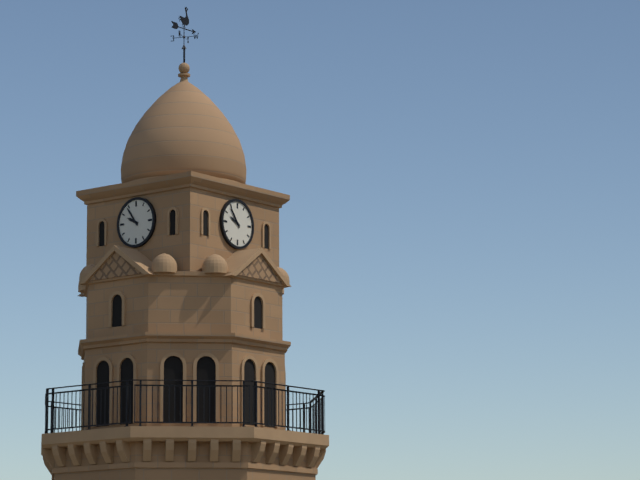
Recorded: 9,54
